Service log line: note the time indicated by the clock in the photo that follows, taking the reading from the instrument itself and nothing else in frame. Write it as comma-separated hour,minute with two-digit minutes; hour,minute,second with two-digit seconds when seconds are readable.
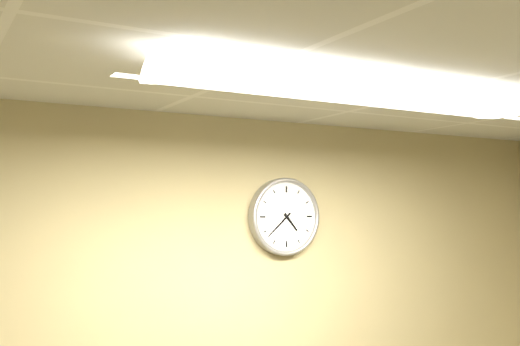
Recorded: 4,38
